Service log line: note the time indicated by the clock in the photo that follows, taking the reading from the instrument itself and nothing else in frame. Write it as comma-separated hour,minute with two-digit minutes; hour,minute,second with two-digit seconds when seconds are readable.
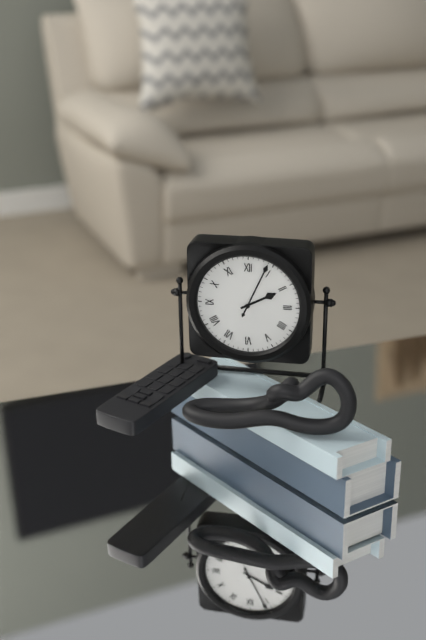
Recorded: 2,04
